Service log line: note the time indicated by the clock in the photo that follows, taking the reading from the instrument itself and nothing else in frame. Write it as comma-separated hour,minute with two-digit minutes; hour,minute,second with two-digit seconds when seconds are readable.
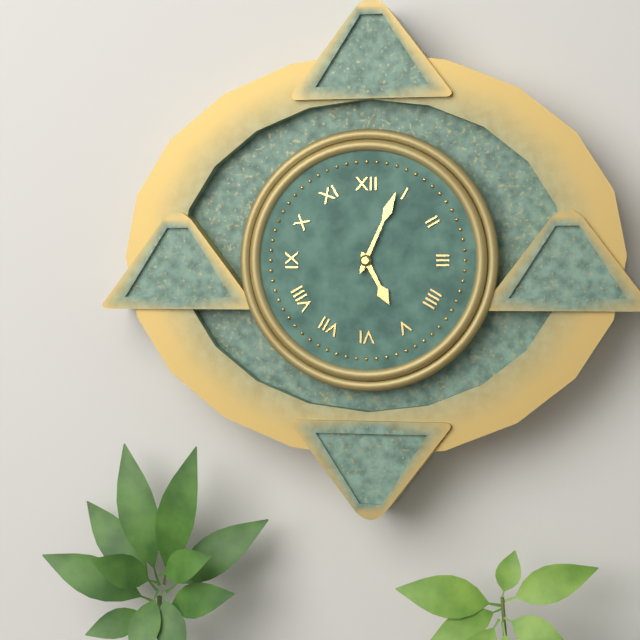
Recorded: 5,04
